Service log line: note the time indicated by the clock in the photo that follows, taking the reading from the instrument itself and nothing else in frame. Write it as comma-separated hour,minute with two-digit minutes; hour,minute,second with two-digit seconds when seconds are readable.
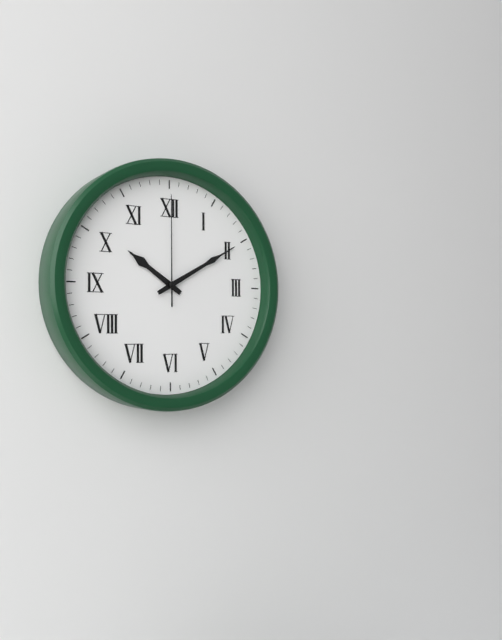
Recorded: 10,10,00
